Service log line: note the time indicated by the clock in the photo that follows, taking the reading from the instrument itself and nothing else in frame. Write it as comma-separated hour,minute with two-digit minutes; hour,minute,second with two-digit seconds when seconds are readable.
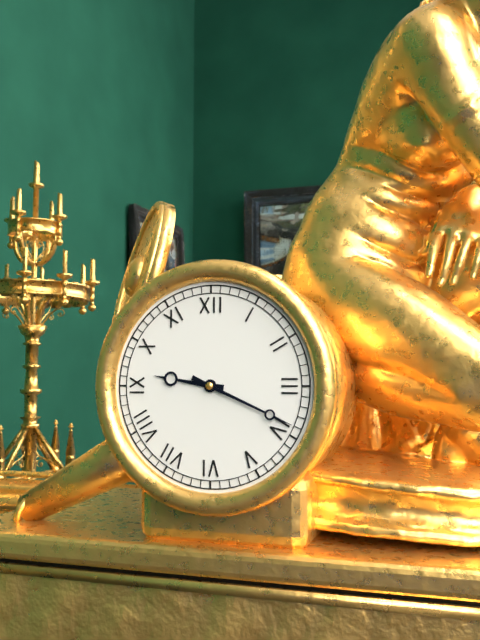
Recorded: 9,19
